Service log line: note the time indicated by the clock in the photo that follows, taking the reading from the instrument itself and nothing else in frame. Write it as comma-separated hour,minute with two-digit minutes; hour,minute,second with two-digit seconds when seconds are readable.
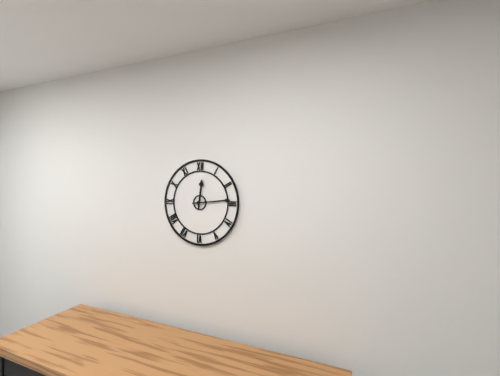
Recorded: 12,14
